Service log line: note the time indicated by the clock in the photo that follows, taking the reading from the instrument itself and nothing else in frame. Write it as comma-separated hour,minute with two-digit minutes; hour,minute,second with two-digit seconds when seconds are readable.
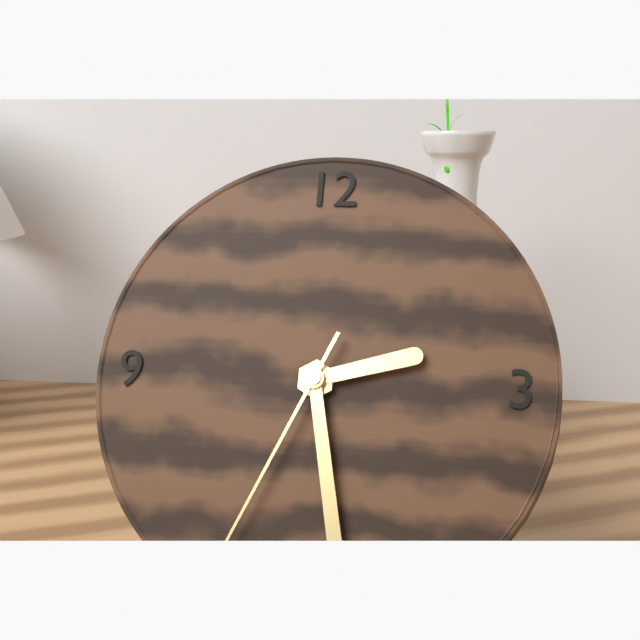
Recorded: 2,28,34
